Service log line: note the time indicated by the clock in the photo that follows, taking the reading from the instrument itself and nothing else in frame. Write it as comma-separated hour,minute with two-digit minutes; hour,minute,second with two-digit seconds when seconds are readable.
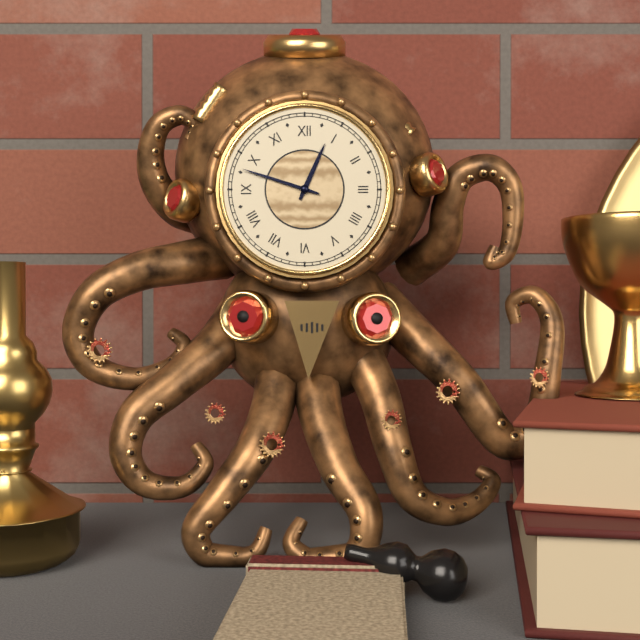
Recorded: 12,48
